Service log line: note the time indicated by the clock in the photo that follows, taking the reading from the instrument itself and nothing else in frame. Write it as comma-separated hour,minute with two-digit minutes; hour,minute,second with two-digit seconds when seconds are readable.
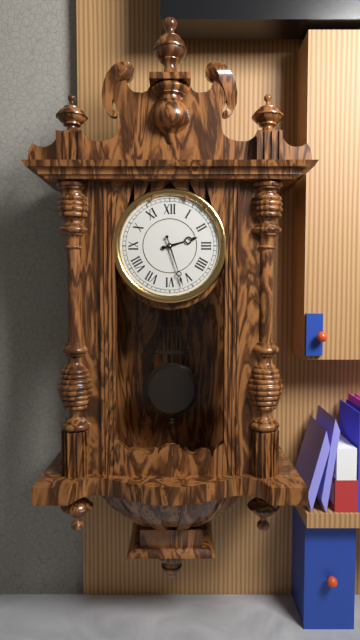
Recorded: 2,27
